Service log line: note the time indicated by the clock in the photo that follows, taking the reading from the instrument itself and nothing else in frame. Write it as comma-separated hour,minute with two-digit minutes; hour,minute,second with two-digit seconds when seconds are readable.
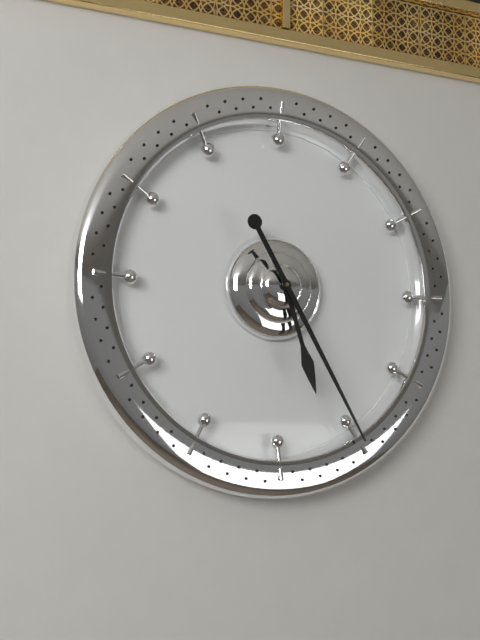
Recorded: 5,25
